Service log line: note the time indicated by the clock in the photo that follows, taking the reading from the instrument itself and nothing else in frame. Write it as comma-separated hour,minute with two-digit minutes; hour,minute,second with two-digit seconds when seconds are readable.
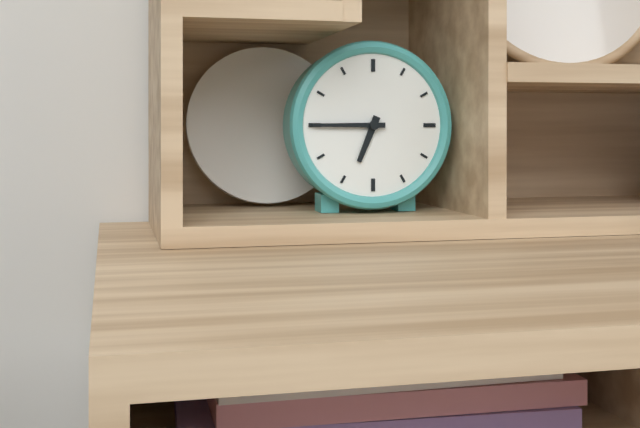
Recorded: 6,45
